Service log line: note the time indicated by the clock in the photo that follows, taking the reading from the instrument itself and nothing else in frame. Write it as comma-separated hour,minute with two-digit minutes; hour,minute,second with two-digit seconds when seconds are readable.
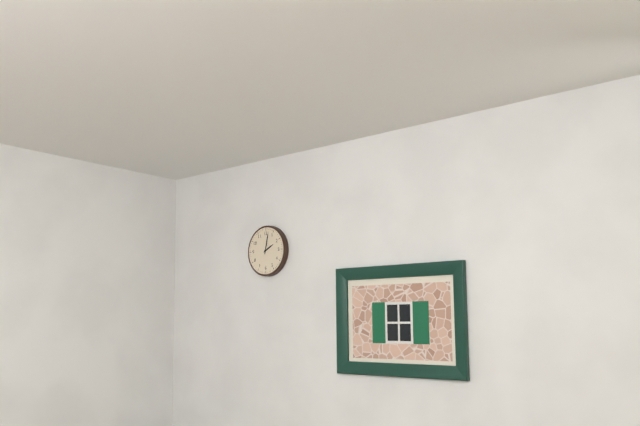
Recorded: 2,02
